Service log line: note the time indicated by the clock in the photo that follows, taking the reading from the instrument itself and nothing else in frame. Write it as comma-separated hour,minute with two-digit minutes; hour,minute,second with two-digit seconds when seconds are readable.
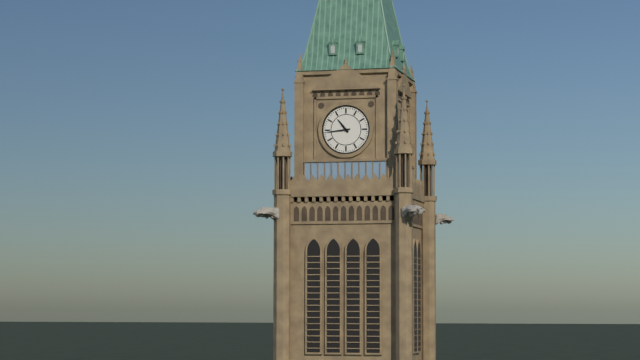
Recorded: 10,44
